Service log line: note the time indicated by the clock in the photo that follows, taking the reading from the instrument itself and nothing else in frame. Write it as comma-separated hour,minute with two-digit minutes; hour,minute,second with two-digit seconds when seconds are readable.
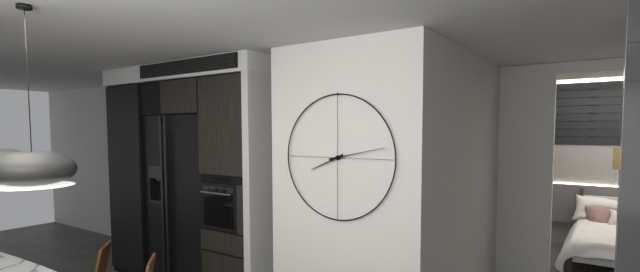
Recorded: 8,13
